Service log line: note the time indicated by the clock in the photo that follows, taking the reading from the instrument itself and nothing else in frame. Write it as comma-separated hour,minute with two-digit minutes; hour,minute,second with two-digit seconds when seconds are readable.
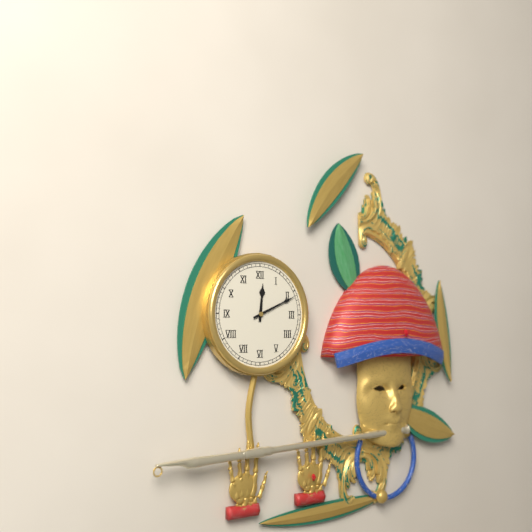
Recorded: 12,11
